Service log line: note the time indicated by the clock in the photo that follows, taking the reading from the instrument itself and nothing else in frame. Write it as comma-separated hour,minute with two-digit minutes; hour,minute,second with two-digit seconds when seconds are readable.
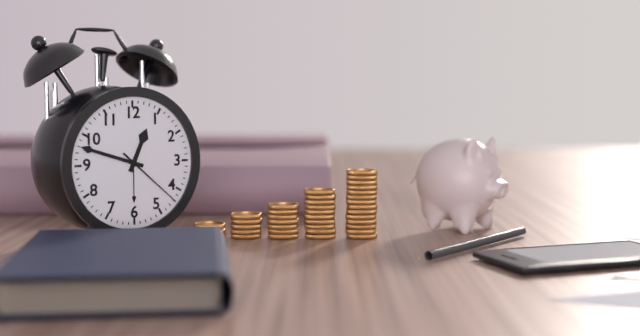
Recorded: 12,48,22
